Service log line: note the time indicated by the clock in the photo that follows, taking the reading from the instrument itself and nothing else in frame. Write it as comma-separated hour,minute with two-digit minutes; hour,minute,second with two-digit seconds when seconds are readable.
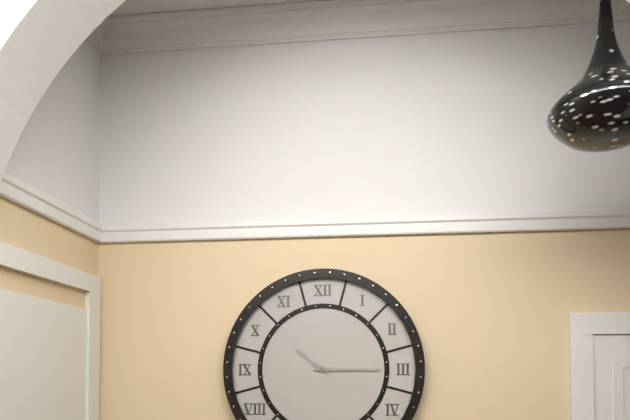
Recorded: 10,15
